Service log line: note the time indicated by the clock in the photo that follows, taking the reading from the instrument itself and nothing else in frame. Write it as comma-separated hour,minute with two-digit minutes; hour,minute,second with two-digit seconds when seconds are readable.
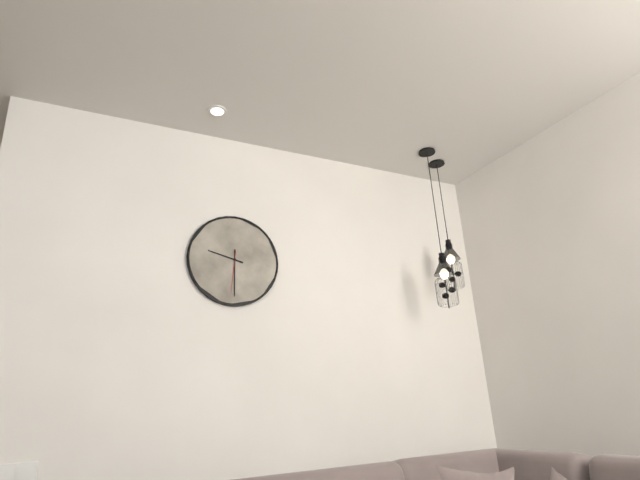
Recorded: 9,30
